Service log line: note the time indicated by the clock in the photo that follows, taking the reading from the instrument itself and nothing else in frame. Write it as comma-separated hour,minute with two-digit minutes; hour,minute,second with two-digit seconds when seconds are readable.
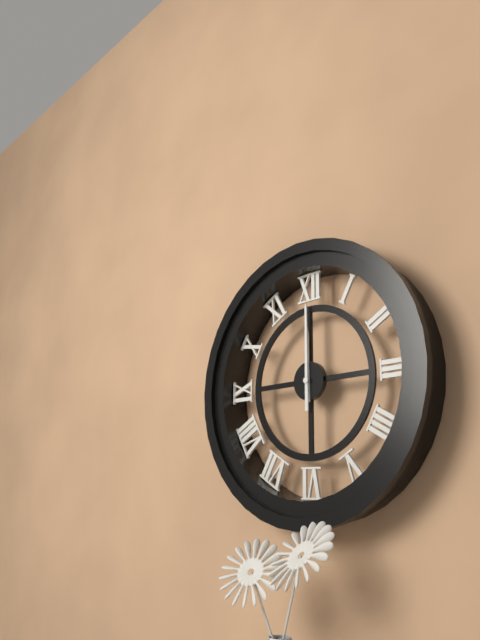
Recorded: 12,00
